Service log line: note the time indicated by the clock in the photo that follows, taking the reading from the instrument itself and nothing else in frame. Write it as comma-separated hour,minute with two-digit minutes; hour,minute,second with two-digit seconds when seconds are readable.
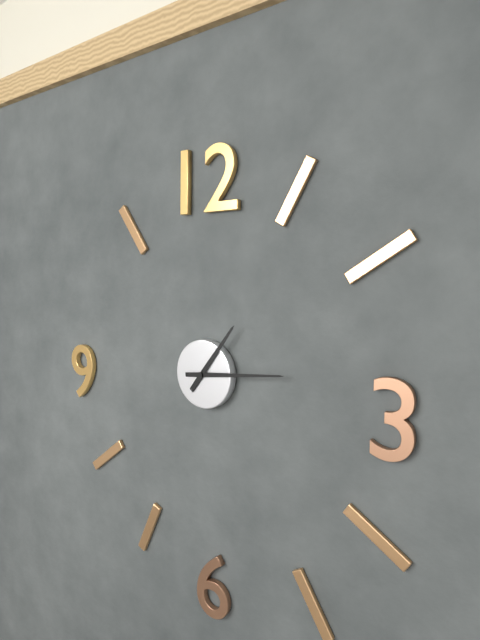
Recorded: 1,14
